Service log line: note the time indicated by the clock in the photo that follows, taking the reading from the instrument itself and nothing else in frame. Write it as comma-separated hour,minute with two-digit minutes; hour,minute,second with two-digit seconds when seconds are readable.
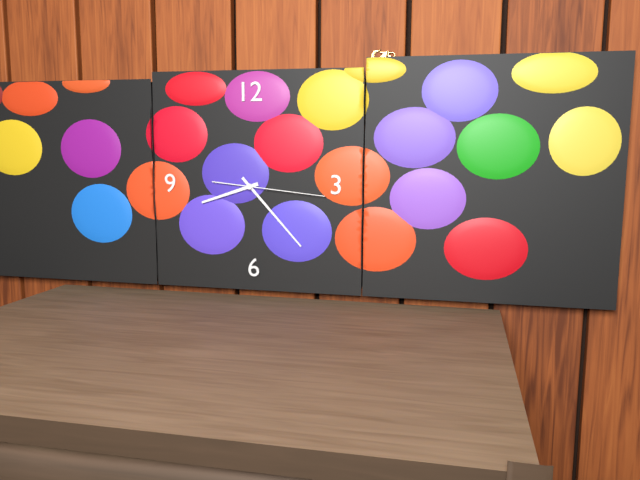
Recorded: 8,23,16
